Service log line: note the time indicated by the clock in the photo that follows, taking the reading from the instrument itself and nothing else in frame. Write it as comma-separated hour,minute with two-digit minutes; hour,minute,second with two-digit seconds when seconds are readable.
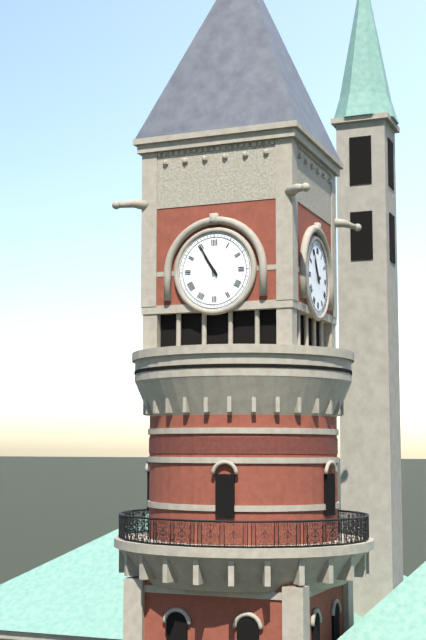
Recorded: 10,55
